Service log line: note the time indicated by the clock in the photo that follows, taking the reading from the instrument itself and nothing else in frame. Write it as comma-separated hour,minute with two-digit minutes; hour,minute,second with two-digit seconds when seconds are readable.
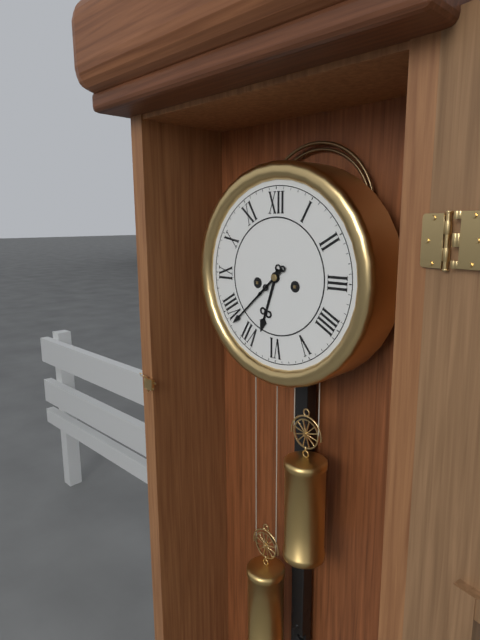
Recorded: 6,38
